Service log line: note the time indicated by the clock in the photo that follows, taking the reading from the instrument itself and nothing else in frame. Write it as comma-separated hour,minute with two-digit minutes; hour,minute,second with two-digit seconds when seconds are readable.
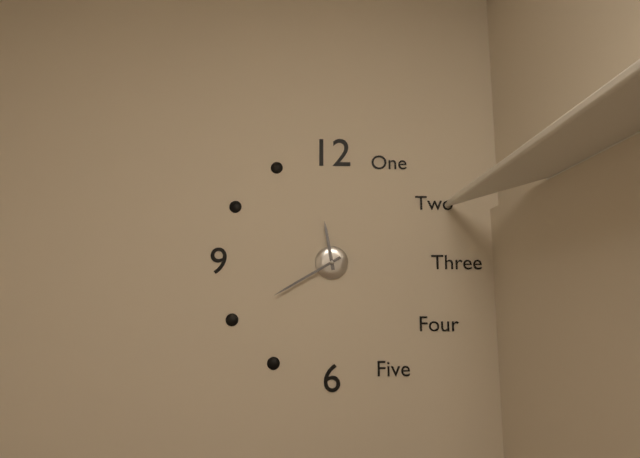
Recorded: 11,40
